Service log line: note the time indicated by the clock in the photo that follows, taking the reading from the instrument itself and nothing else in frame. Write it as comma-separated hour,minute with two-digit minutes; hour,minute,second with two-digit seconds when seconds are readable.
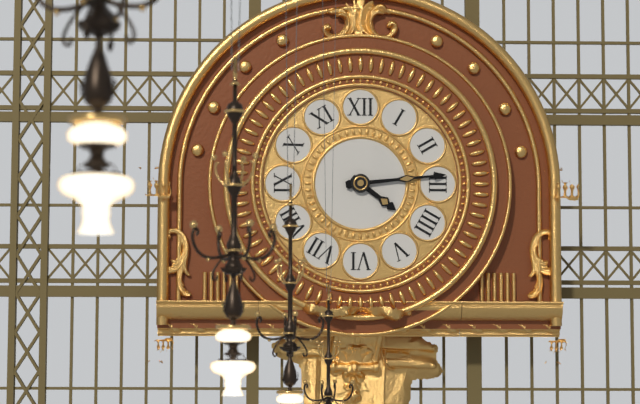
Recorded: 4,14
